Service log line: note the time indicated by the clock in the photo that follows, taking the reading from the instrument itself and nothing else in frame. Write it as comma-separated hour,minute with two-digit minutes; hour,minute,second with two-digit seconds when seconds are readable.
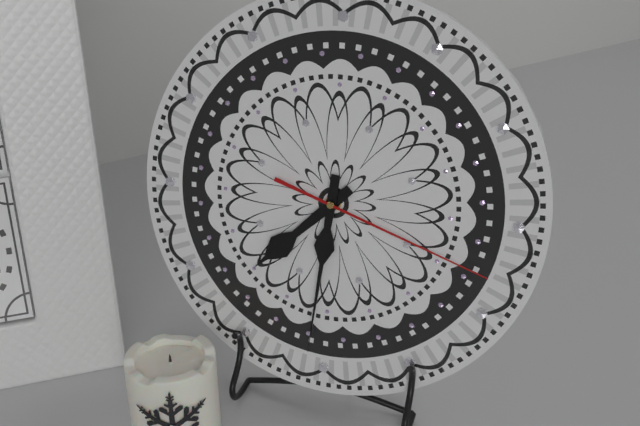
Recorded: 7,31,18
